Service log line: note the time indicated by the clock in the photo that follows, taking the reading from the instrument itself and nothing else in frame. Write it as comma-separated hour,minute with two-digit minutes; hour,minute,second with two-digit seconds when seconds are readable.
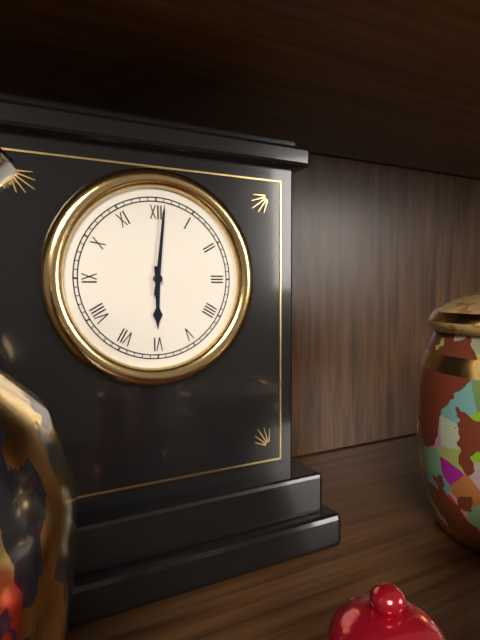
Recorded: 6,01
